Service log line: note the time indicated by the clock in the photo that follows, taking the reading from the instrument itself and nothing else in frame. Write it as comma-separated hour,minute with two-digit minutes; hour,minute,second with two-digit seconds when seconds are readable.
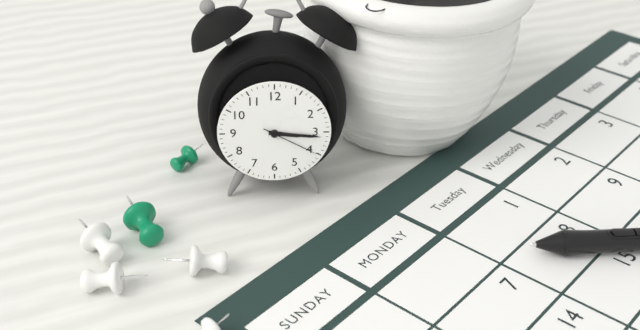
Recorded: 3,16,20
